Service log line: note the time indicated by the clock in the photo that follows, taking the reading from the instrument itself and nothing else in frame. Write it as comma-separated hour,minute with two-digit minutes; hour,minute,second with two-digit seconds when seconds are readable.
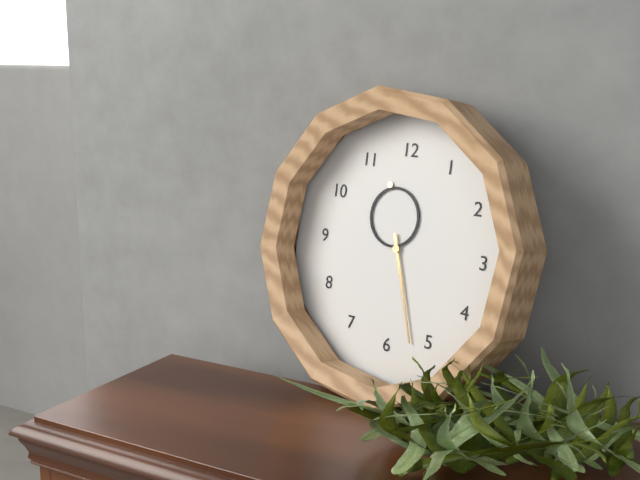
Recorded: 11,27
